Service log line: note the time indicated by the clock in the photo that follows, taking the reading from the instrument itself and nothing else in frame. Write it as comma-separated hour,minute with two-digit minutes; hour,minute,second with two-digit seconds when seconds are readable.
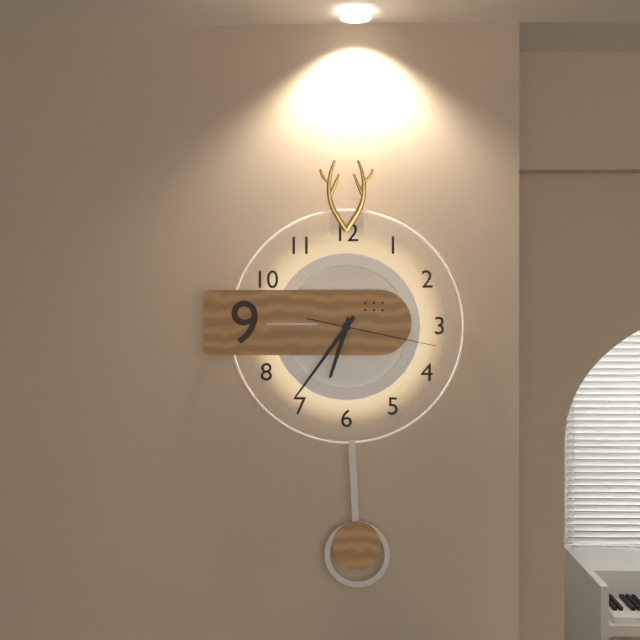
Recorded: 6,36,17
